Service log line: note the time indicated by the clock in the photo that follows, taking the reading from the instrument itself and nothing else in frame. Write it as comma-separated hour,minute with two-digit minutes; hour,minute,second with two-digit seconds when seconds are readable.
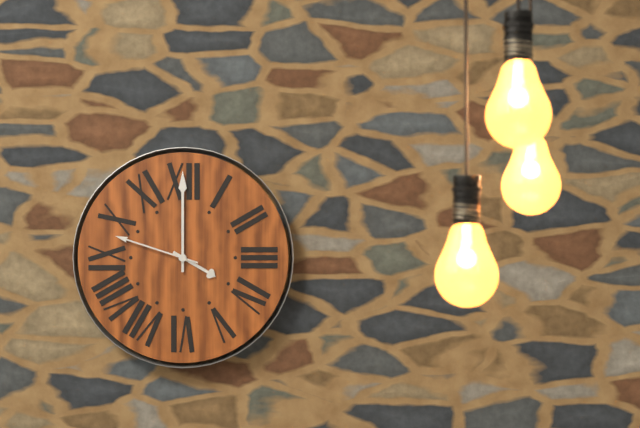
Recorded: 4,00,48
